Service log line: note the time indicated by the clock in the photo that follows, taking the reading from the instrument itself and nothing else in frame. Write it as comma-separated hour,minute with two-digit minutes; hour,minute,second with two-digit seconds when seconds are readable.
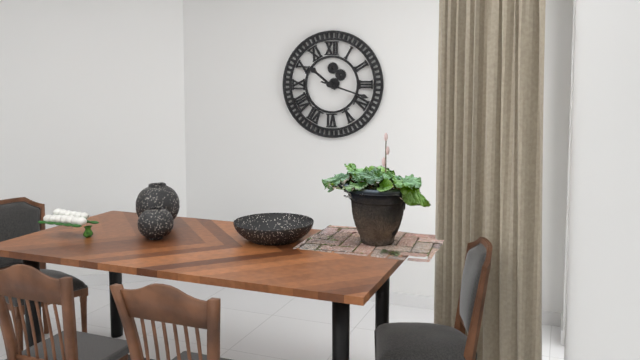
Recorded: 10,18
